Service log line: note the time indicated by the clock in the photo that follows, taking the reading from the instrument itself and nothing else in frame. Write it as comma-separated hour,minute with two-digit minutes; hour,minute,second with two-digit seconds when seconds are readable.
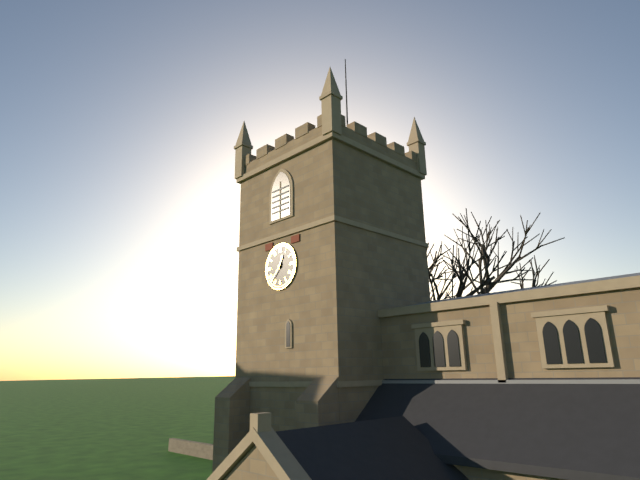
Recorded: 12,37
